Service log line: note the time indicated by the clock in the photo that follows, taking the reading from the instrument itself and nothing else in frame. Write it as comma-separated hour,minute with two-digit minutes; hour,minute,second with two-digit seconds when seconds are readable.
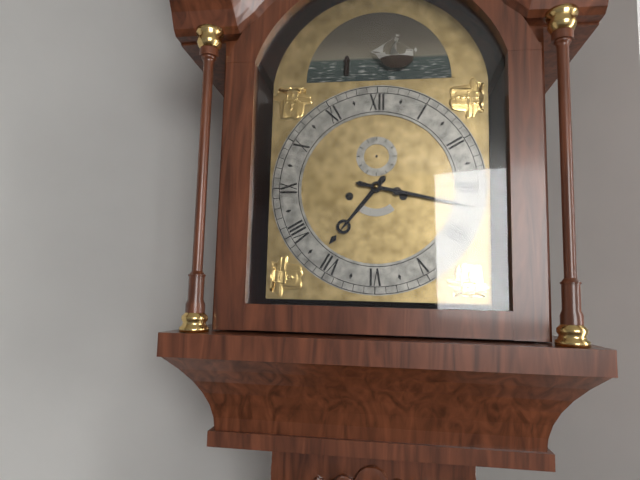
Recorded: 7,17
